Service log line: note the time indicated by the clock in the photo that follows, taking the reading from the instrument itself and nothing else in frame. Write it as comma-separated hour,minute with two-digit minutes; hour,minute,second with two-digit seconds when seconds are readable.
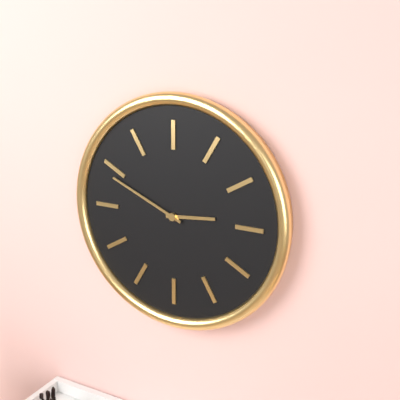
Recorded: 2,49
